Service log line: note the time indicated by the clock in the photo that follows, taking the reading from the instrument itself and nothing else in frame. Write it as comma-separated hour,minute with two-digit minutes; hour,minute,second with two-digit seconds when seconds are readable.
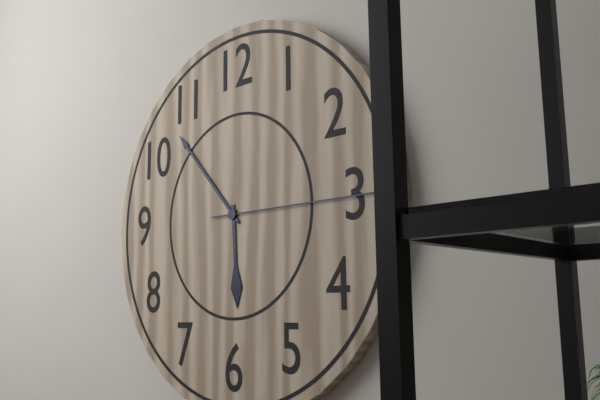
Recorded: 5,53,15
